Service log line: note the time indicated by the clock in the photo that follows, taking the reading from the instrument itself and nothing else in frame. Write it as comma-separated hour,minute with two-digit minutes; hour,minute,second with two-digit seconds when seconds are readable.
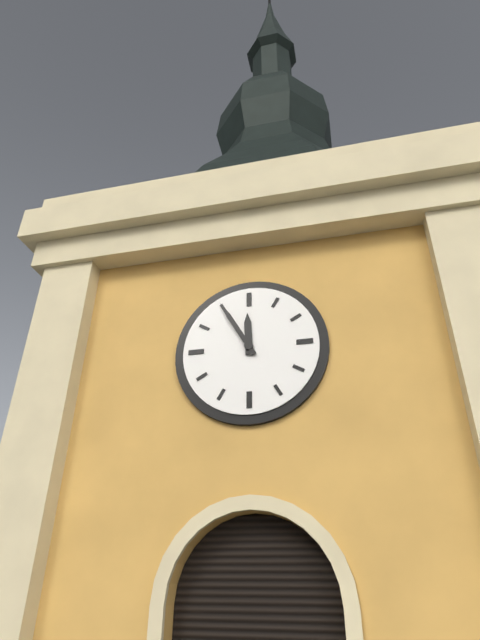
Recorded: 11,55
